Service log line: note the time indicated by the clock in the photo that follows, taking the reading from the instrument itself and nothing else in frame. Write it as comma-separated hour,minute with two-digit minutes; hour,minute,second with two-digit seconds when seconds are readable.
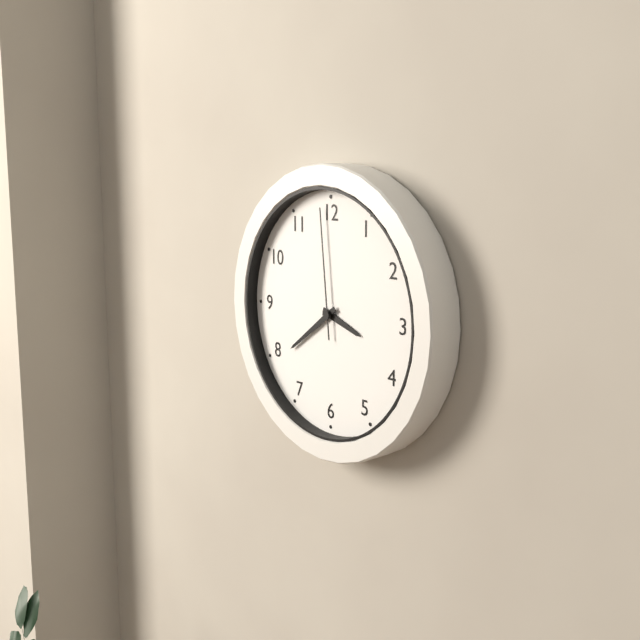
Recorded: 3,39,59
